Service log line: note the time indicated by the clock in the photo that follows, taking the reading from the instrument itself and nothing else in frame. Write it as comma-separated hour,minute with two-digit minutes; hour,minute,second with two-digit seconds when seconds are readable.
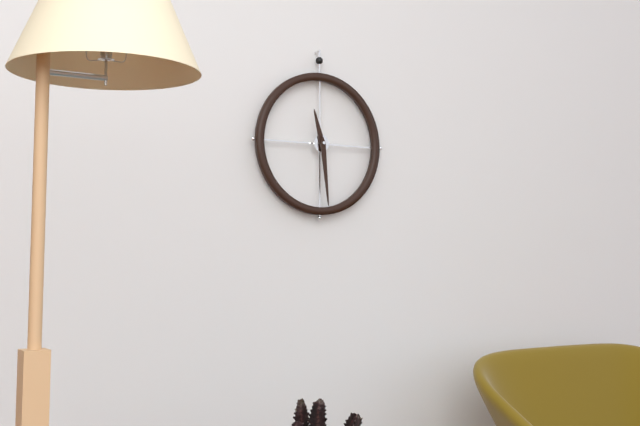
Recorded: 11,29
